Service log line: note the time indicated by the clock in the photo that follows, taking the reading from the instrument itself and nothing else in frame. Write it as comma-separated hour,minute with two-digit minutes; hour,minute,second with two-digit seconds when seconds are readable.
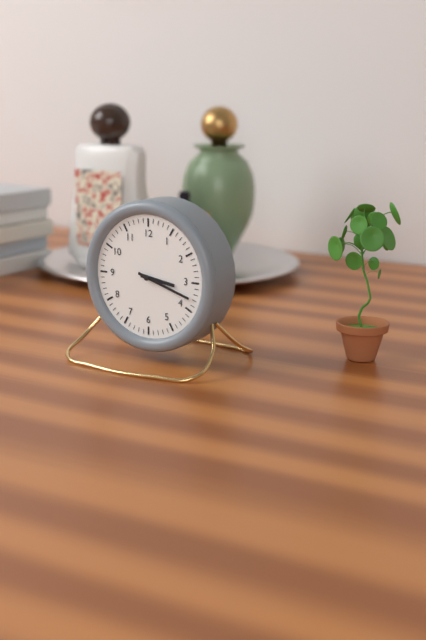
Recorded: 3,18
